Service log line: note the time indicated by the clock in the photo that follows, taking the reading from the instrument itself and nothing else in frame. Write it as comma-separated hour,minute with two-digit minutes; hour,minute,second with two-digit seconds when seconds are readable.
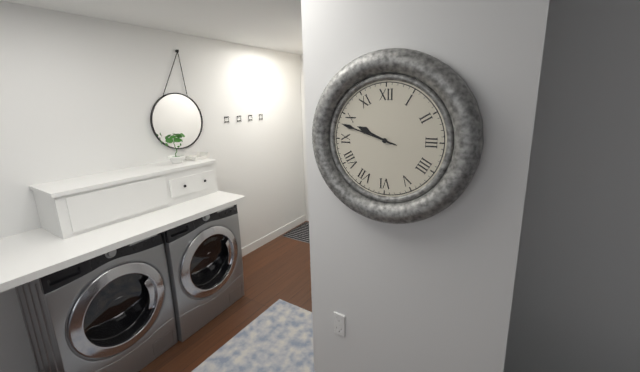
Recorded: 9,48
